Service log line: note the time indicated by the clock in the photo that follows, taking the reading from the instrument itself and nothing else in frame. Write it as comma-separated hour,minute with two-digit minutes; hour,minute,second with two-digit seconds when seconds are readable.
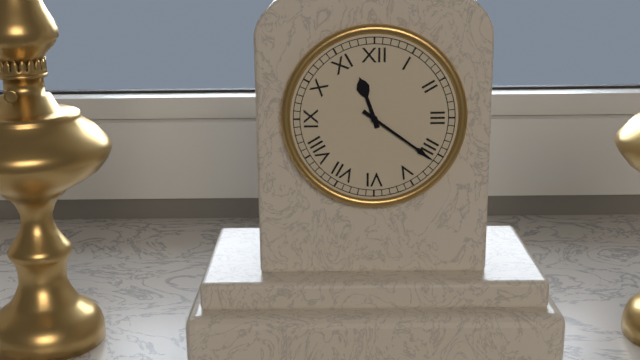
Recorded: 11,21
